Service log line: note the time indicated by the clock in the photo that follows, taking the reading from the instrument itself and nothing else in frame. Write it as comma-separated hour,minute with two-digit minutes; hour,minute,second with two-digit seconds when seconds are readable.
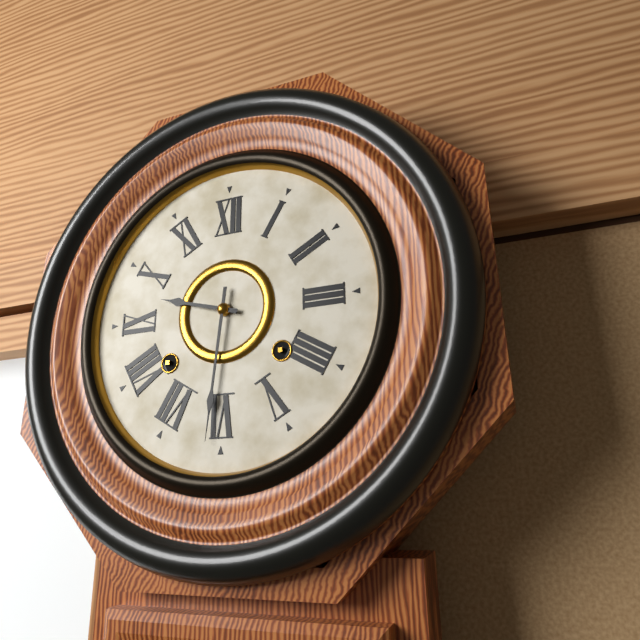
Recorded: 9,31
